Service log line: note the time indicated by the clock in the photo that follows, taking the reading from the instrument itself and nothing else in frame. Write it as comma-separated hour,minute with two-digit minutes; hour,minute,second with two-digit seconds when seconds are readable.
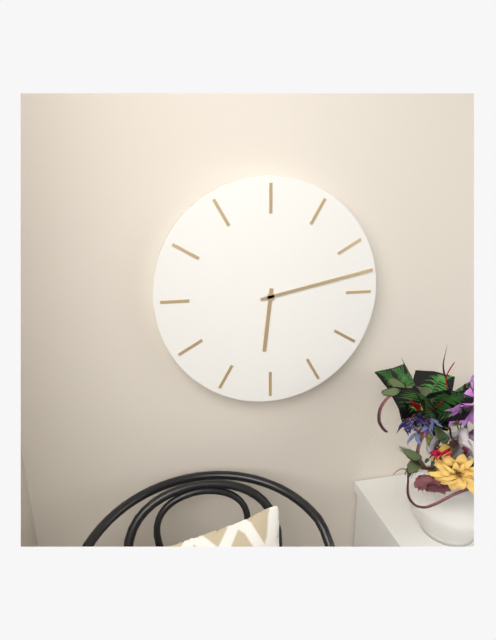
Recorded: 6,13
